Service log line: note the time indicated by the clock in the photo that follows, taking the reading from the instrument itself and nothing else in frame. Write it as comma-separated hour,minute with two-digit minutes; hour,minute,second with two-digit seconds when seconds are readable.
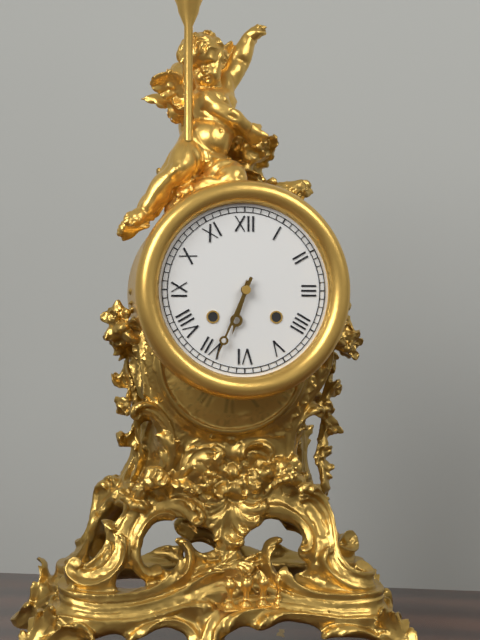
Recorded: 6,34
